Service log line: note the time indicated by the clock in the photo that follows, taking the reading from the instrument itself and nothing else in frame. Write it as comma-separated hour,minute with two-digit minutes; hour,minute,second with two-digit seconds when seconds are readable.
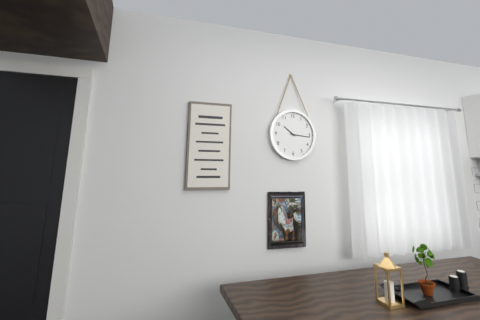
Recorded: 10,16
